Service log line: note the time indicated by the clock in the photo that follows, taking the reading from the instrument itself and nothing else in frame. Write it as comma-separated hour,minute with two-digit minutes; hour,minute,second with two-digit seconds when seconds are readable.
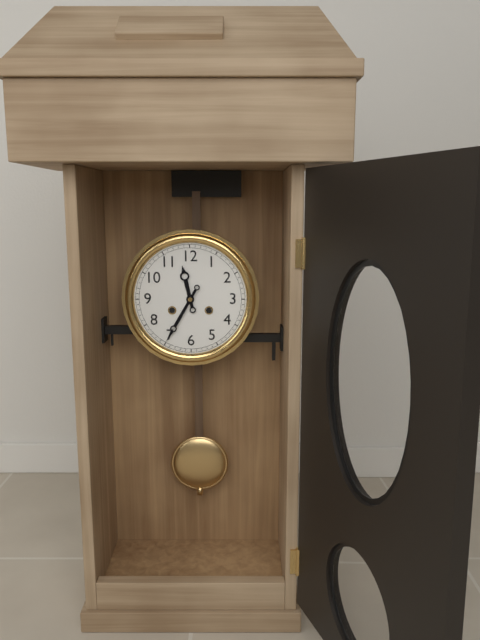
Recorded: 11,35
